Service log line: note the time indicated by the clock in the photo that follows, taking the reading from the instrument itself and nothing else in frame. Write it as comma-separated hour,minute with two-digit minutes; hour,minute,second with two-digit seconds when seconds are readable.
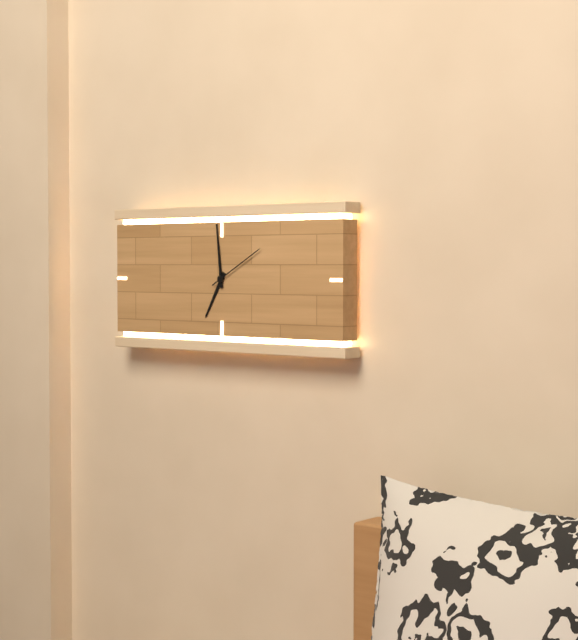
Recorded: 6,59,10
